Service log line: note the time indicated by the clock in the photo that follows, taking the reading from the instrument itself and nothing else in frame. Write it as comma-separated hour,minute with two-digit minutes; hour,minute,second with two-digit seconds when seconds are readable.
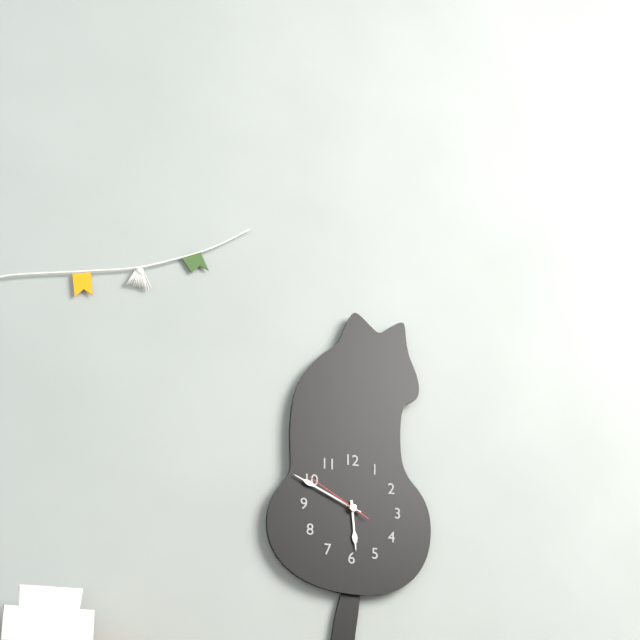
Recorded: 5,49,50
